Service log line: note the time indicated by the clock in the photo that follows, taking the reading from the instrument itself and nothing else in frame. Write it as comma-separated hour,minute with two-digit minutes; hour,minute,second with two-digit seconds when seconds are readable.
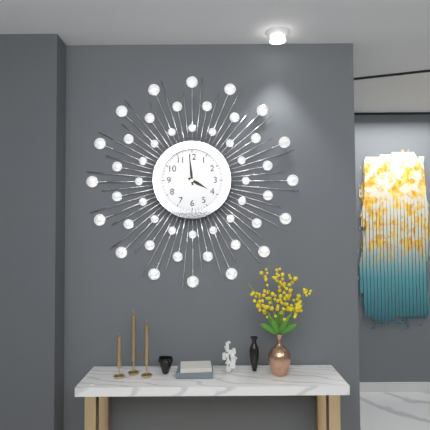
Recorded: 3,59
